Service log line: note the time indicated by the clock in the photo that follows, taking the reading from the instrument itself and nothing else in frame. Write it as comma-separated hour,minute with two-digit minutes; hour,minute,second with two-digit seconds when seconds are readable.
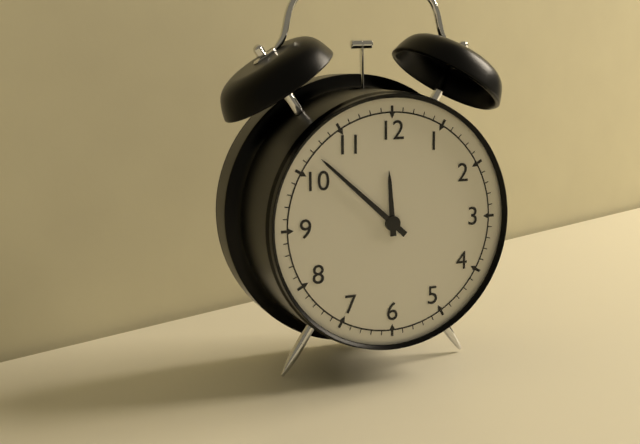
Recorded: 11,52
